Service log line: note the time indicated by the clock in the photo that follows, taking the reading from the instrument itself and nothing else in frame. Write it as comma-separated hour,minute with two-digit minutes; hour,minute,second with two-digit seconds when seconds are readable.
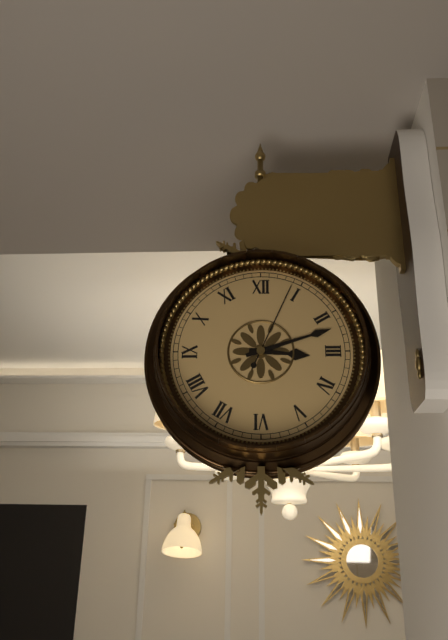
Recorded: 3,12,04
